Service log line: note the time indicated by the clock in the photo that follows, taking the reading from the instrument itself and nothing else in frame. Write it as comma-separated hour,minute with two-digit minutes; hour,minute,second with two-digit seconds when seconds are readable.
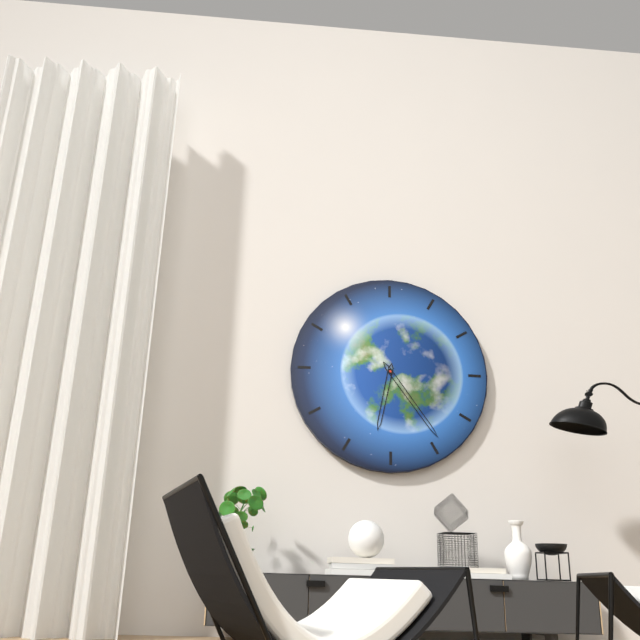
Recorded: 6,24
